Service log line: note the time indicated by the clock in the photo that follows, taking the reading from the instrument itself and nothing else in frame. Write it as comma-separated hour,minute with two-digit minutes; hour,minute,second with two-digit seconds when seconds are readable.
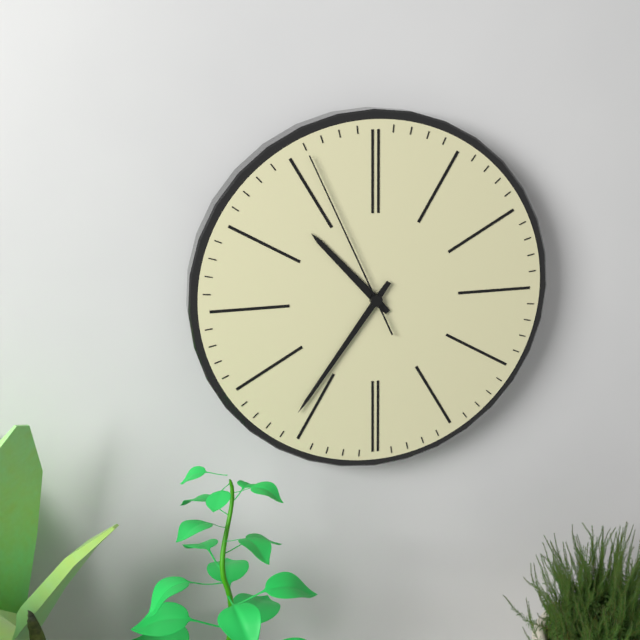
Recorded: 10,36,56
